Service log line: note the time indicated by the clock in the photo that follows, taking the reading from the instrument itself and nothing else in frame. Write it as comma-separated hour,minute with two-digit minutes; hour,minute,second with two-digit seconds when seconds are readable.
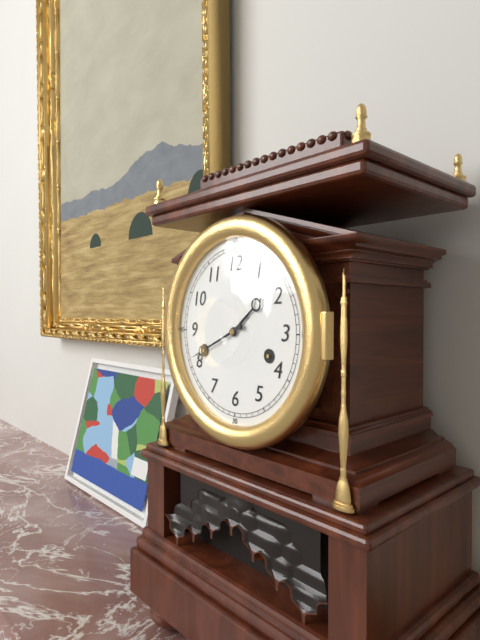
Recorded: 1,41
